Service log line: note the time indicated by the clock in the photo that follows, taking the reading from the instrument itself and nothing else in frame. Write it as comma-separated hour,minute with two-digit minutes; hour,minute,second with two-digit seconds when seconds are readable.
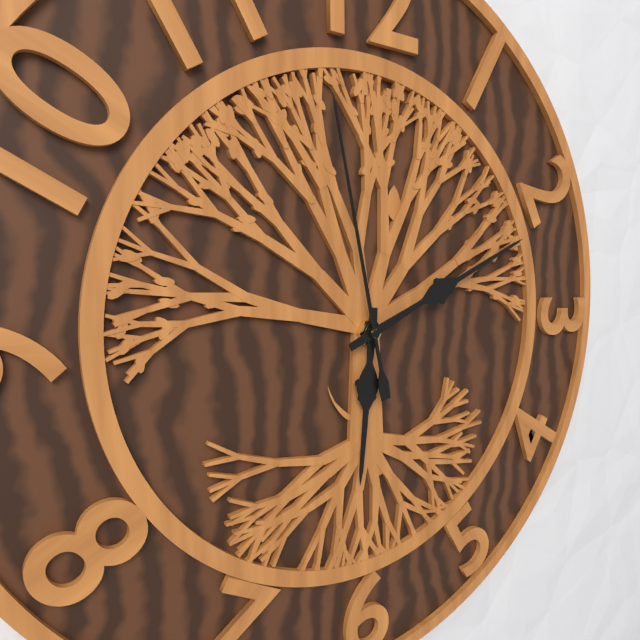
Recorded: 6,11,58
